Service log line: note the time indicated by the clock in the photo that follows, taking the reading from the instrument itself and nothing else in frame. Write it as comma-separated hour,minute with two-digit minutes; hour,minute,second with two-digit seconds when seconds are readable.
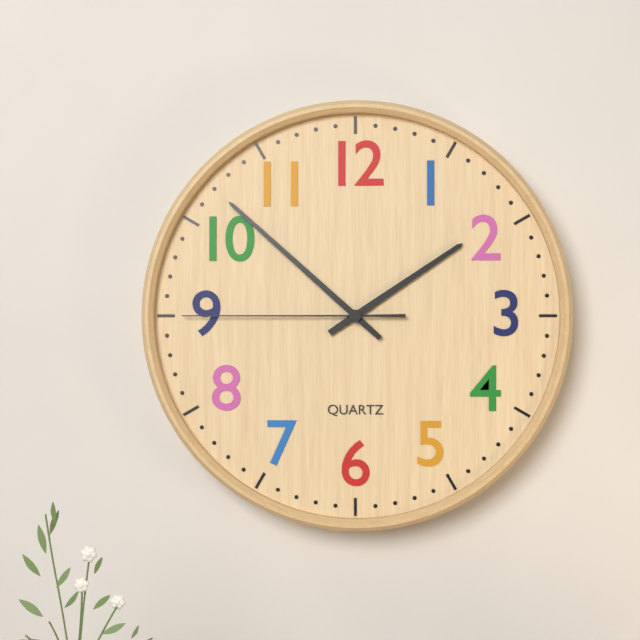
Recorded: 1,52,45
